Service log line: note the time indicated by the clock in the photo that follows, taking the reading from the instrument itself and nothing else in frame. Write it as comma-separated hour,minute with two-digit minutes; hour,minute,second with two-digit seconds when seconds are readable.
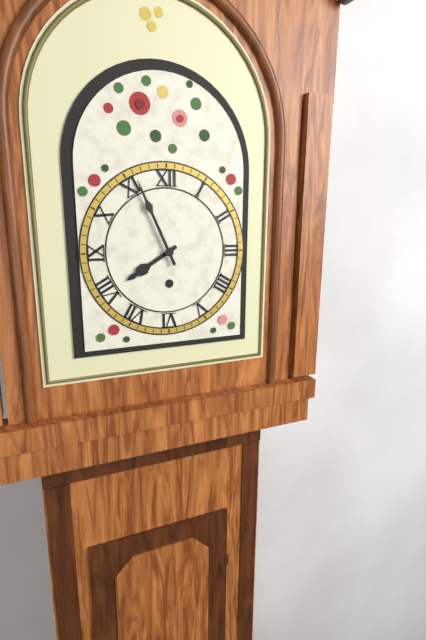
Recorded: 7,56
